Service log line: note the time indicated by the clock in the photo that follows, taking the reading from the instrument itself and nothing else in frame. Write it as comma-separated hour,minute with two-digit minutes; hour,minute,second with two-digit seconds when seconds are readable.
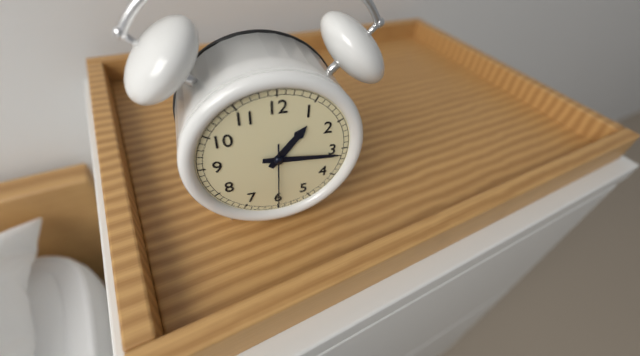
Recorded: 1,16,30
